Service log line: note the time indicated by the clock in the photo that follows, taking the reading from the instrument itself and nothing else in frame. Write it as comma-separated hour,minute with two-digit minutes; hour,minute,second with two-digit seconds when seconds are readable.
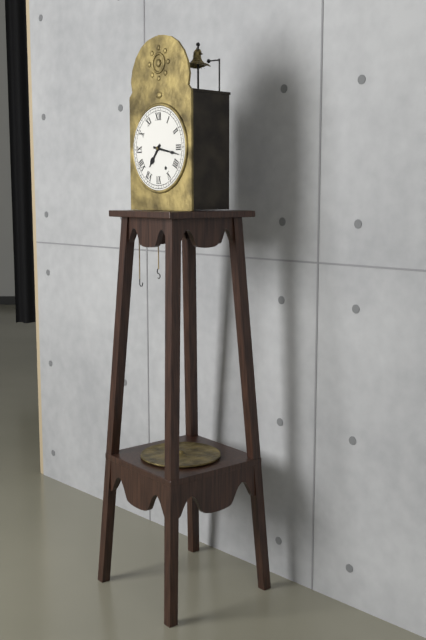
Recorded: 7,17
